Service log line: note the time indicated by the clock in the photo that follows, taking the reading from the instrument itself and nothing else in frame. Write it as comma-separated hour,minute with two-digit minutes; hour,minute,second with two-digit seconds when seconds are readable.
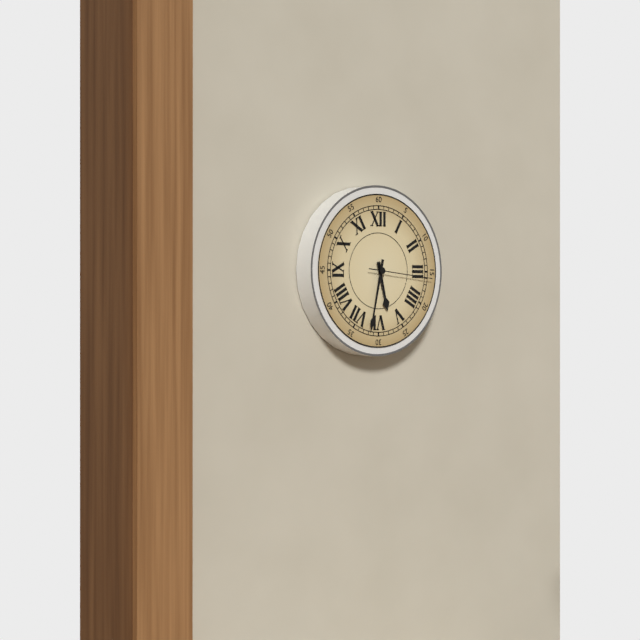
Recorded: 5,32,16
